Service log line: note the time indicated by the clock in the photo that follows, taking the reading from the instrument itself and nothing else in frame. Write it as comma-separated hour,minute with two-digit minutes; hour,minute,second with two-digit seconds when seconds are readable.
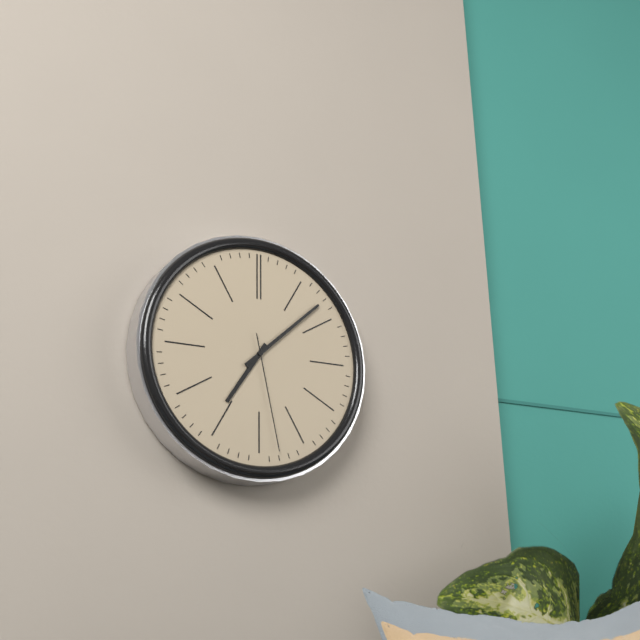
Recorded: 7,08,28
